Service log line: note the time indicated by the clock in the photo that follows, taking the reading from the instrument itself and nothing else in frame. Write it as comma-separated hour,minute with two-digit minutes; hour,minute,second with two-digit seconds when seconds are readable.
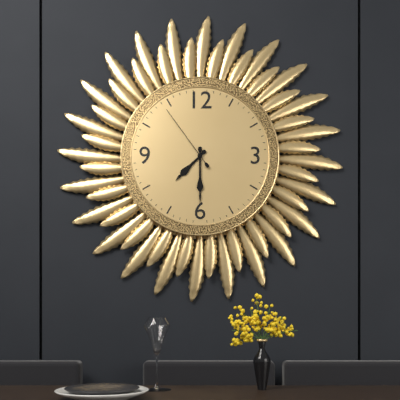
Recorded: 7,30,54
